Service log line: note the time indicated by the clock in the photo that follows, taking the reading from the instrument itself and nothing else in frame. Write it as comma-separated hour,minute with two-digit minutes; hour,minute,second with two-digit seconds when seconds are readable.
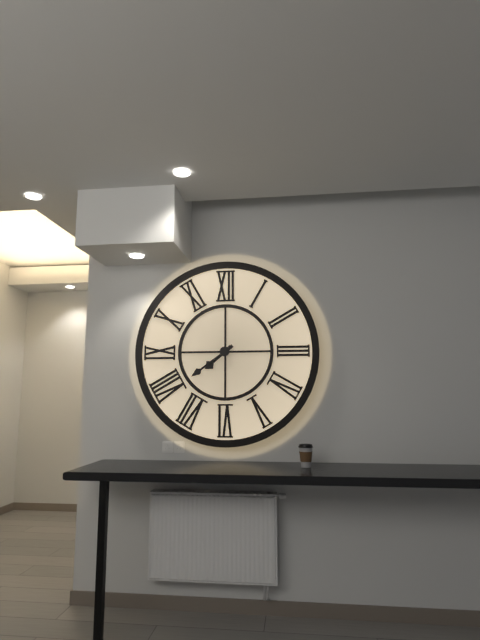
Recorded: 7,39
